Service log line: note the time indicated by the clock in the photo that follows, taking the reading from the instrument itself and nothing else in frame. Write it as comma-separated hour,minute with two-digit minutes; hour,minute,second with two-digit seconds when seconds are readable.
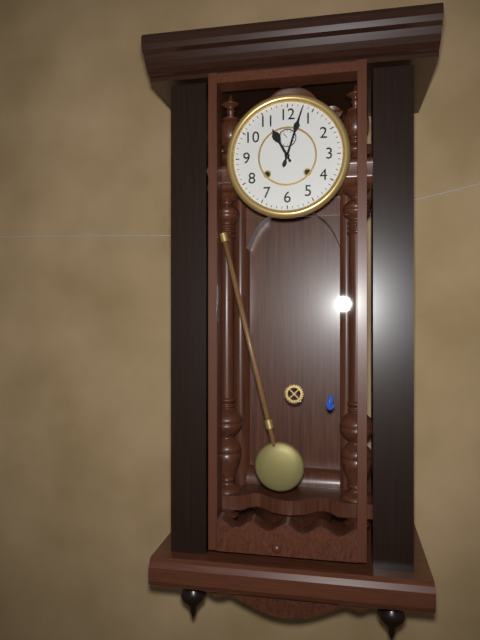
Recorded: 11,03
